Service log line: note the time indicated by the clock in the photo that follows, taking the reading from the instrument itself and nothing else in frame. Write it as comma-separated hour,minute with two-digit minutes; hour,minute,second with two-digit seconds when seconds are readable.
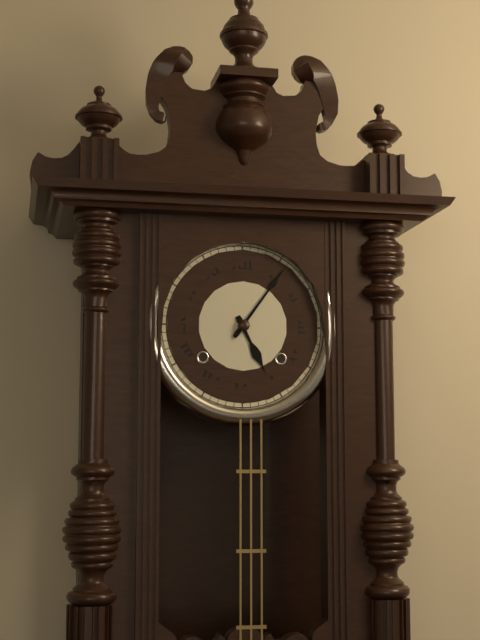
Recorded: 5,06
